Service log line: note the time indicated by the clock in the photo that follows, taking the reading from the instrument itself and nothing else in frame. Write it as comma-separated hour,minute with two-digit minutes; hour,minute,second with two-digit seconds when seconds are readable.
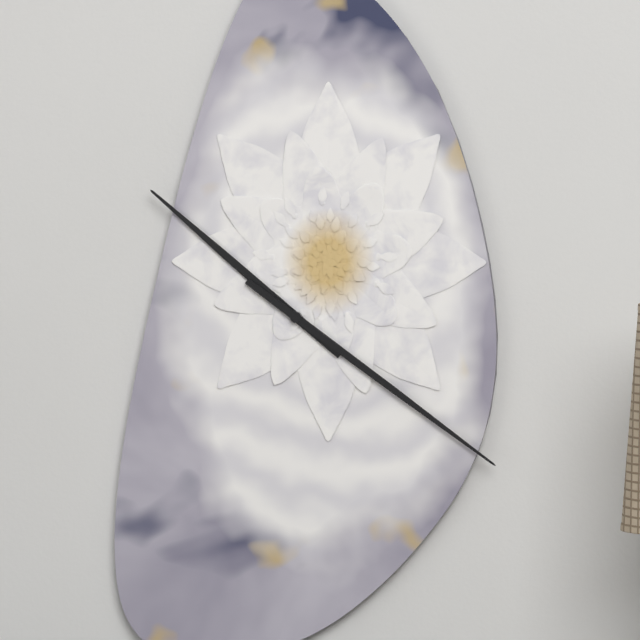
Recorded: 10,21
